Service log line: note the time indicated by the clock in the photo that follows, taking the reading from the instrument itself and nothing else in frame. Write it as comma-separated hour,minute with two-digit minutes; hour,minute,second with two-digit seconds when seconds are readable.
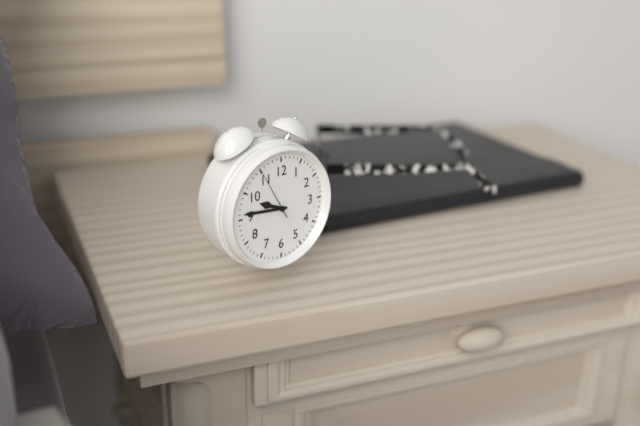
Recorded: 9,46,55
